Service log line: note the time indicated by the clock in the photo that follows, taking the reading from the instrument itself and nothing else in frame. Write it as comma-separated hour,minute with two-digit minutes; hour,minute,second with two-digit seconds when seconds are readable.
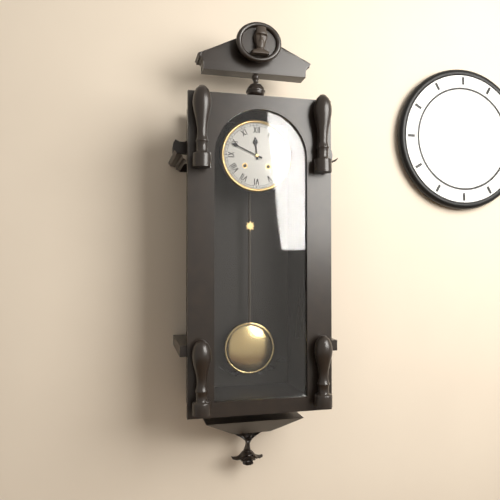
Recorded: 11,49
